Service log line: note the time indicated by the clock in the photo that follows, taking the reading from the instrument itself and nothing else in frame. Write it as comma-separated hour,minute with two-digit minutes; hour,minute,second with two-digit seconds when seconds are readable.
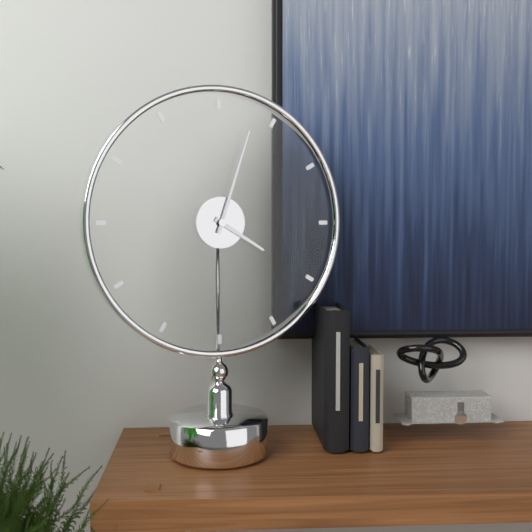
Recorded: 4,03
